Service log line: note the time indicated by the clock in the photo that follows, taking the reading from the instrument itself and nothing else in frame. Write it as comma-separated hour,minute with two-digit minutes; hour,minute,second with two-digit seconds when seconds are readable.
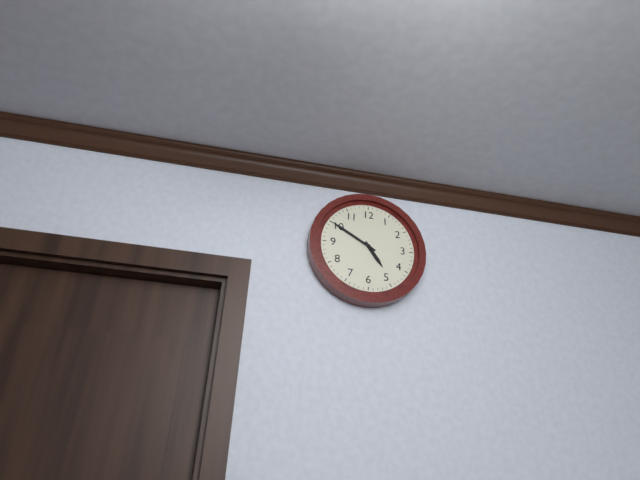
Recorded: 4,50
